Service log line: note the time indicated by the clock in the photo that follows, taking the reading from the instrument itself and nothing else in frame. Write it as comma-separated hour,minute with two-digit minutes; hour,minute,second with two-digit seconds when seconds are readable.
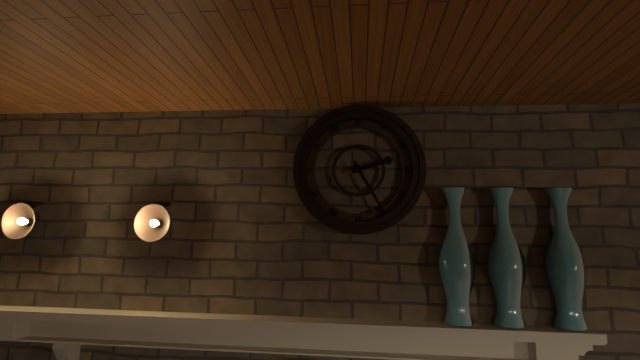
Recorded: 2,25
